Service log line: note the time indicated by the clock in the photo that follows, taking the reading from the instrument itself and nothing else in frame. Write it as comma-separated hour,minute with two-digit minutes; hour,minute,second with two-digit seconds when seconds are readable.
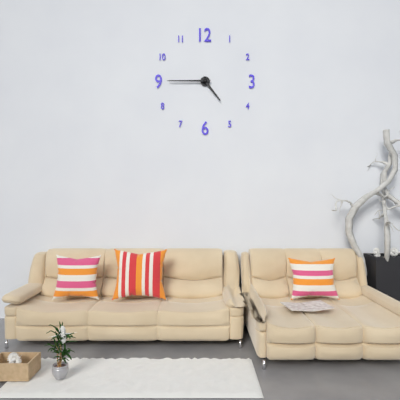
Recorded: 4,45
